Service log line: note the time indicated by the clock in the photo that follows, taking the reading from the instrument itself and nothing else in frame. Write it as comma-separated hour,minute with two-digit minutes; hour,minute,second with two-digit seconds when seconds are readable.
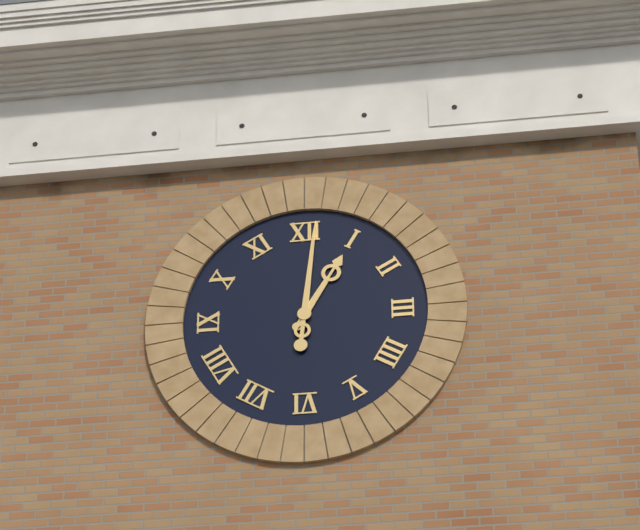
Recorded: 1,01
